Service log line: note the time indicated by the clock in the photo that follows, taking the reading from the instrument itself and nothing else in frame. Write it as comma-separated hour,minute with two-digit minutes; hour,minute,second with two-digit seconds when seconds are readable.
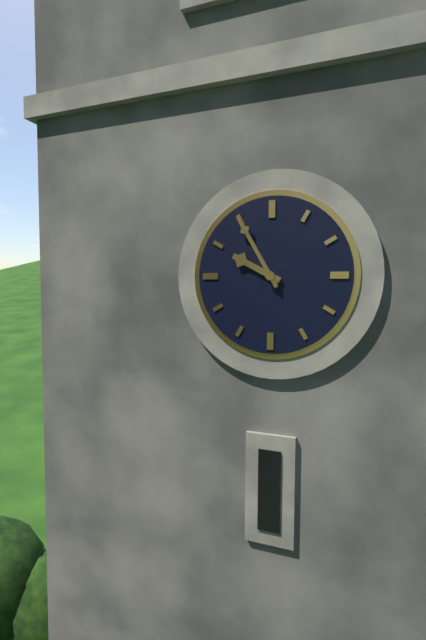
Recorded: 9,55
